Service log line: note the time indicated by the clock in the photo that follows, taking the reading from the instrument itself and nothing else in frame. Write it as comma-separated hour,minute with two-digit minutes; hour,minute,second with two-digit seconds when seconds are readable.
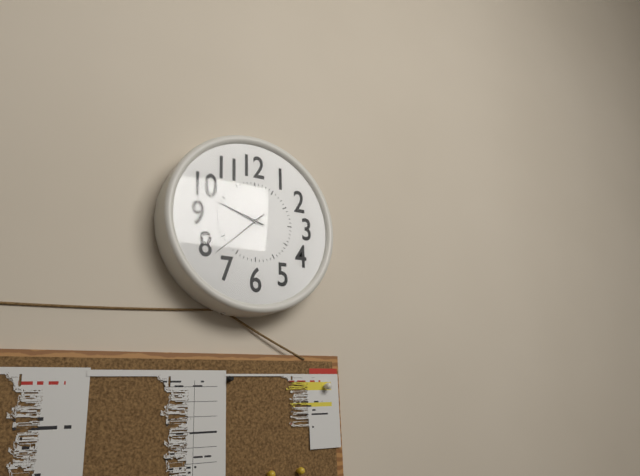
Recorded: 9,38
